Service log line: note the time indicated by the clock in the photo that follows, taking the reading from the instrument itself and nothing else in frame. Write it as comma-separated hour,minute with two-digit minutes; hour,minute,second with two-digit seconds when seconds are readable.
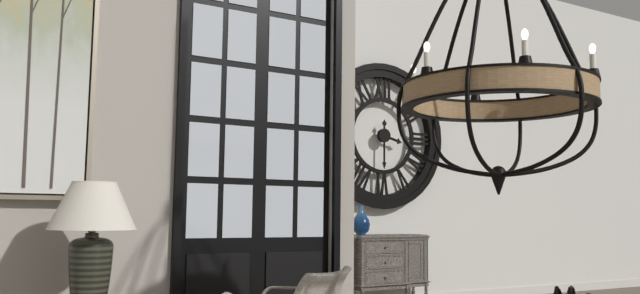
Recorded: 3,30
